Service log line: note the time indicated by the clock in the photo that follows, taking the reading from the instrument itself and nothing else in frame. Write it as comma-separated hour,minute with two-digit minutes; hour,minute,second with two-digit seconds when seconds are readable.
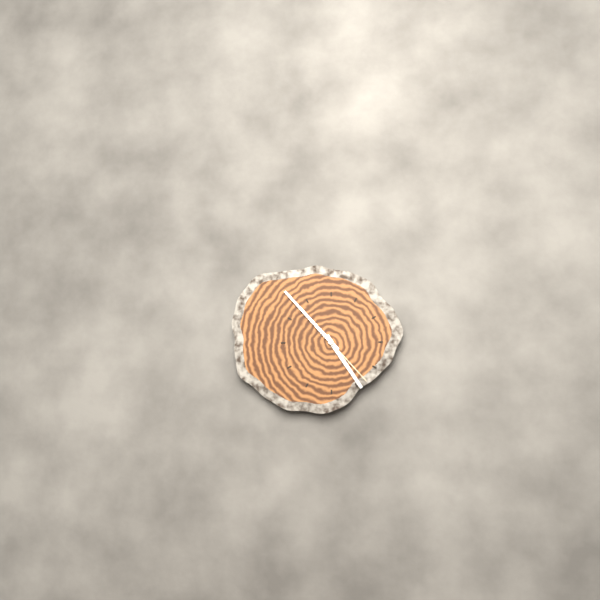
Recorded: 4,53,23
